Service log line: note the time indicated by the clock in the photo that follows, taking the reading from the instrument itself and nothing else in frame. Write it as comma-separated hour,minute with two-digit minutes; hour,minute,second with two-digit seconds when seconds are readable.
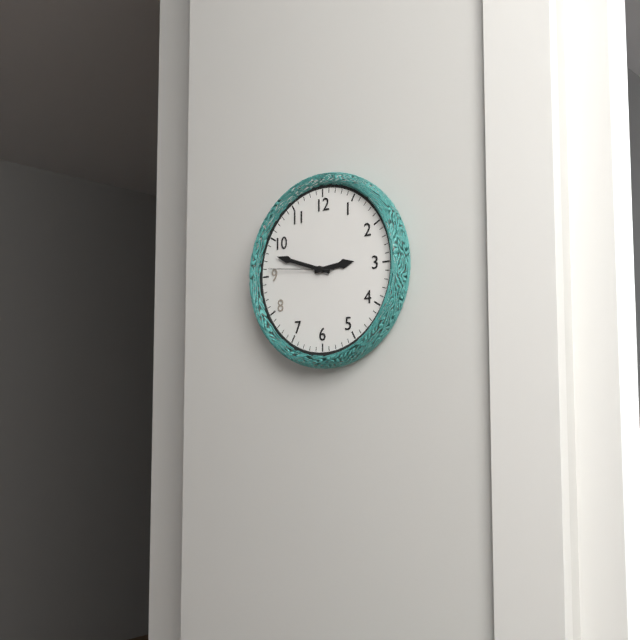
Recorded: 2,48,46
